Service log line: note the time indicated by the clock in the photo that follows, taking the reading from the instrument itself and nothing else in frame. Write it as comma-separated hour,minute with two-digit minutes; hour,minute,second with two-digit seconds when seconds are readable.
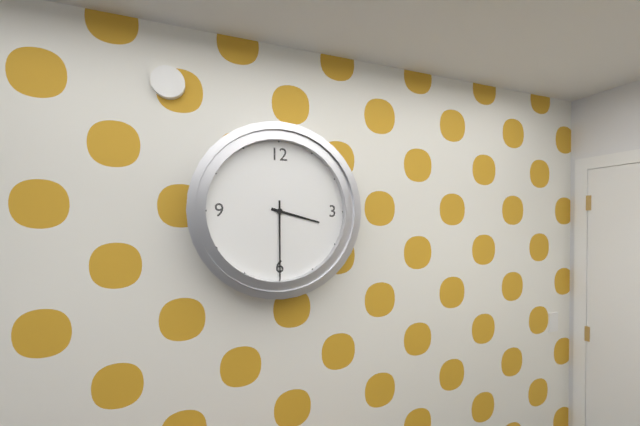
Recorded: 3,30
